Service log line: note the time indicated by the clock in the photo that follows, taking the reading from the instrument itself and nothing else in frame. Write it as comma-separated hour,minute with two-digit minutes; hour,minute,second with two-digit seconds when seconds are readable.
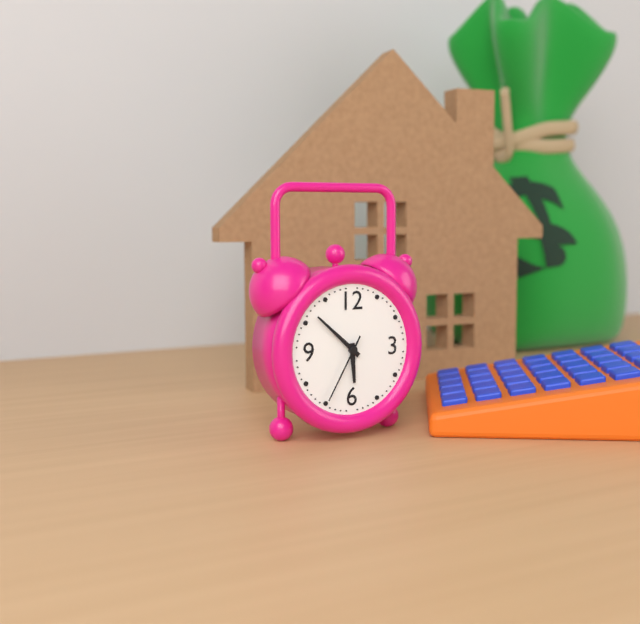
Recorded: 5,52,35
